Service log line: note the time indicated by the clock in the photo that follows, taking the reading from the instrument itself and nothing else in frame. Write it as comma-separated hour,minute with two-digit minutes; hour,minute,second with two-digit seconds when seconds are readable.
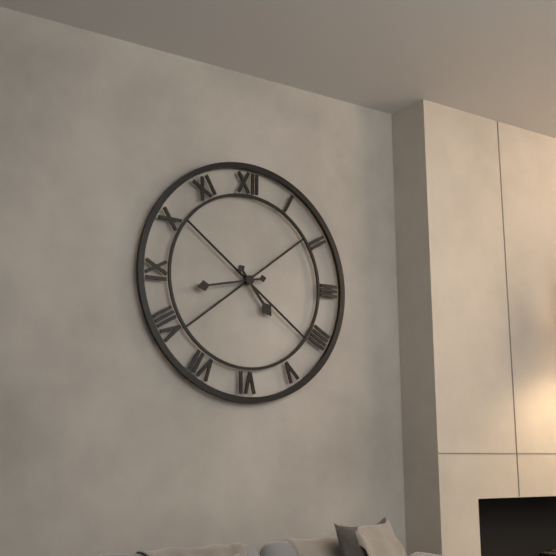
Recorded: 4,43
